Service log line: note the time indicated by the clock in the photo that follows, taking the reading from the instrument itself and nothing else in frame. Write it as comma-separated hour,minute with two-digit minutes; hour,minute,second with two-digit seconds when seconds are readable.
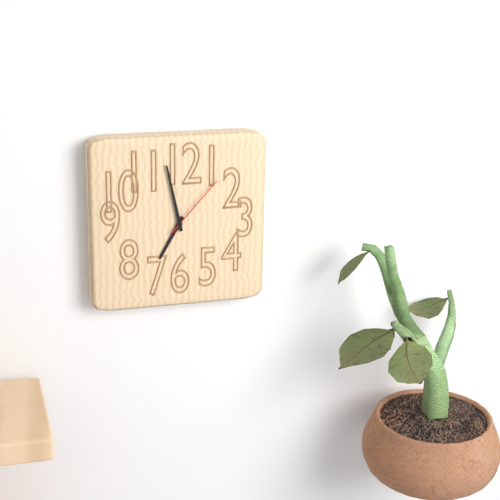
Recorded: 6,58,07
